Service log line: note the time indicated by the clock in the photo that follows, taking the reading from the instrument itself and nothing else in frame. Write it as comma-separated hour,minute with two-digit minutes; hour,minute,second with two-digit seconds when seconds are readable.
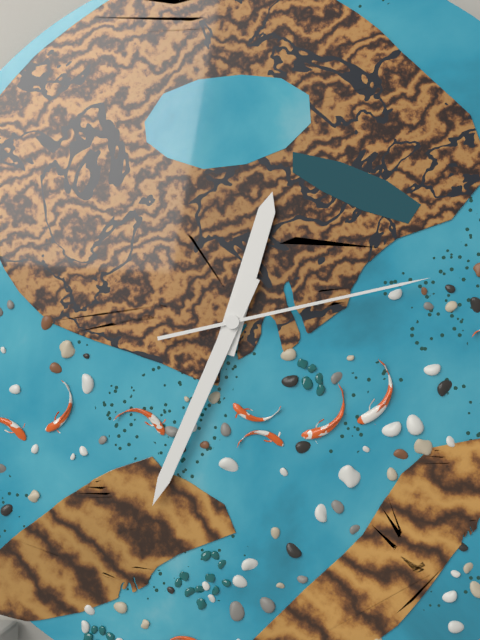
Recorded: 12,34,13
